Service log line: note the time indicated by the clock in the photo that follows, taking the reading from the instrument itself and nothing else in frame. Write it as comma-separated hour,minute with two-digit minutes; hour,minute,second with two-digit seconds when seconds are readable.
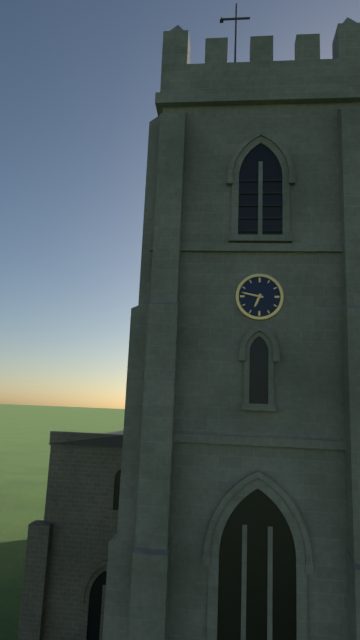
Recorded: 6,47
